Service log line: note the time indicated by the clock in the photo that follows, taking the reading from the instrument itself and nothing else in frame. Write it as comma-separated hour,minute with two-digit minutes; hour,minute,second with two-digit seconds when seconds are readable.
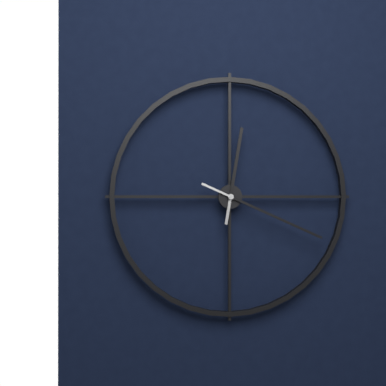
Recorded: 12,19
